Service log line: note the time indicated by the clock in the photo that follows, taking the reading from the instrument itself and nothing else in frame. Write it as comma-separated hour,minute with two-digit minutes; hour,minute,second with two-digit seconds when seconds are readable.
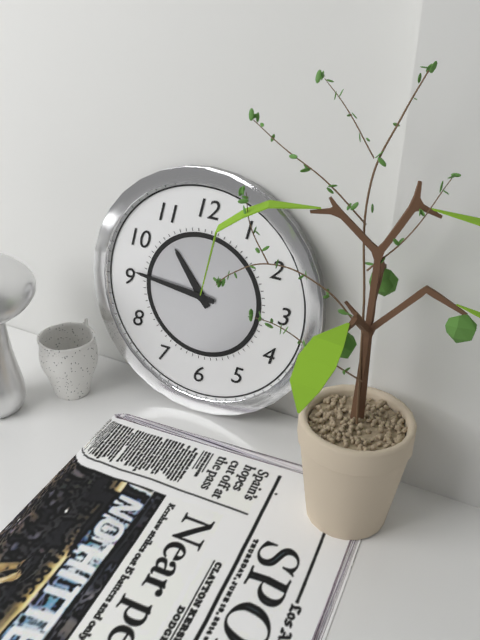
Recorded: 10,46
